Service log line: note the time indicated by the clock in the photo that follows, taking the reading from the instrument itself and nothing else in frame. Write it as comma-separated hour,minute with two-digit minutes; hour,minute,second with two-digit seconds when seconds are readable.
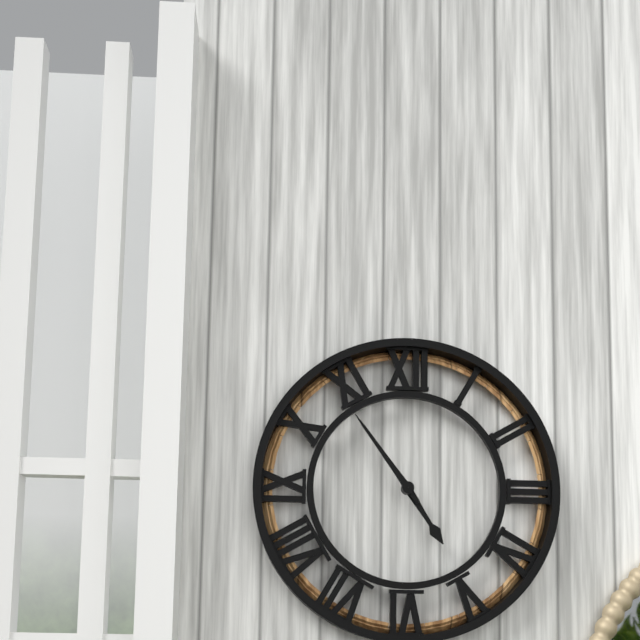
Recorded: 4,54
